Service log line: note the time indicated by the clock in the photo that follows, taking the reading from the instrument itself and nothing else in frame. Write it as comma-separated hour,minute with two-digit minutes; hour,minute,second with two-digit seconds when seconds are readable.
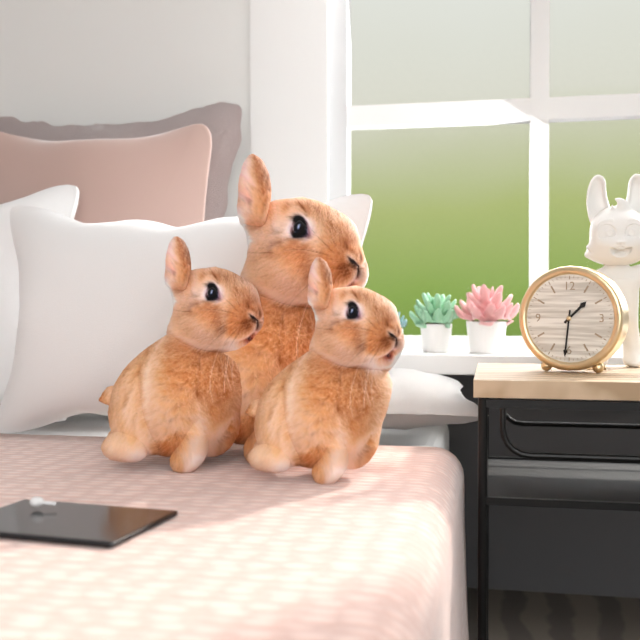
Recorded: 1,31
